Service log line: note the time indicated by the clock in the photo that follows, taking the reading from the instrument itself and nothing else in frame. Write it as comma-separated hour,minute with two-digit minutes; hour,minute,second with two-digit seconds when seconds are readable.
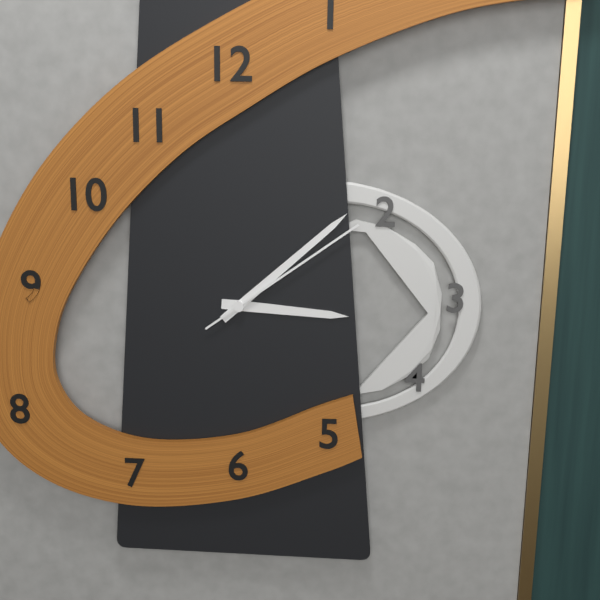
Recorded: 3,08,09
